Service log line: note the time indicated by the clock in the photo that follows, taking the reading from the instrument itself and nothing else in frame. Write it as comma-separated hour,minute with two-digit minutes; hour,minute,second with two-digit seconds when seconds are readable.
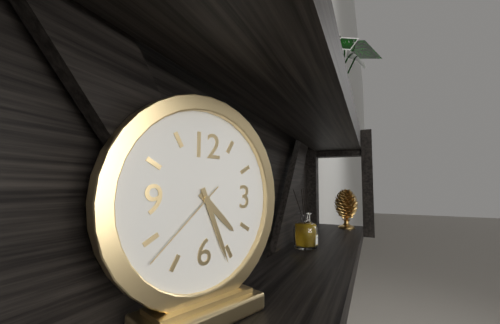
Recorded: 4,26,38
